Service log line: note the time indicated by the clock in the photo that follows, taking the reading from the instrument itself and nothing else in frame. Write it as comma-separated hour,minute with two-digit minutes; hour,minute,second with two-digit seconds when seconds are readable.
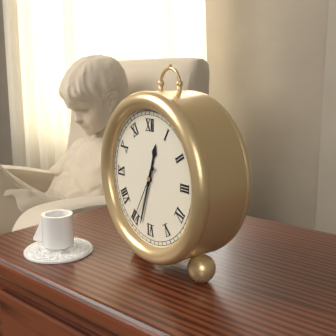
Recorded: 12,33,35
